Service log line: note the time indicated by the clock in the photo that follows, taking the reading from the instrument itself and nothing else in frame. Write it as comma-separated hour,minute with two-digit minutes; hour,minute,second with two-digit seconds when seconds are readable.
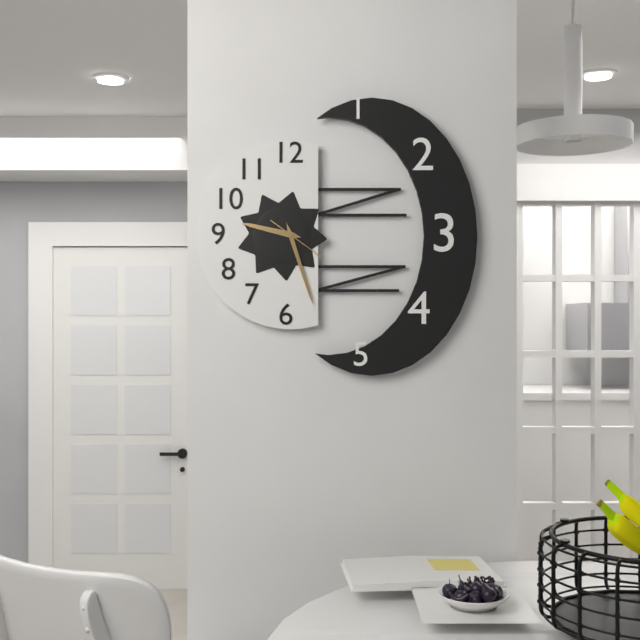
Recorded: 9,27,21
